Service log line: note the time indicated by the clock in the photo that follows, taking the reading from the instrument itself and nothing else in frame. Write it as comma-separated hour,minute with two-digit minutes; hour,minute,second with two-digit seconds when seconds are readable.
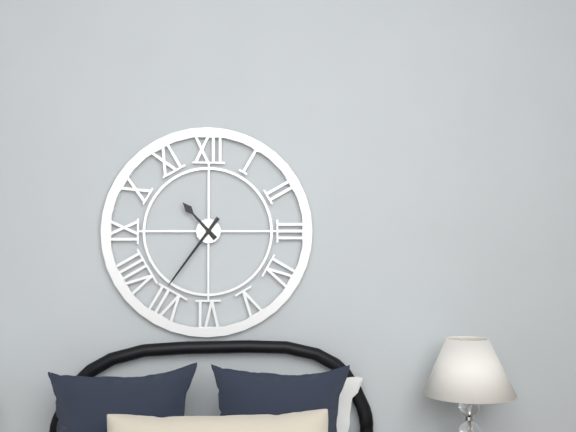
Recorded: 10,36
